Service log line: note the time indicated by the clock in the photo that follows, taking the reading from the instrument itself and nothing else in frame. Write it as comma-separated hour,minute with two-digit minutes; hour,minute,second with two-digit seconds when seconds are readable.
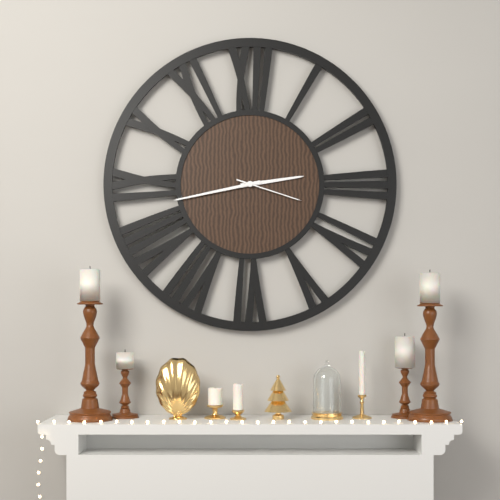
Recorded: 2,43,18
